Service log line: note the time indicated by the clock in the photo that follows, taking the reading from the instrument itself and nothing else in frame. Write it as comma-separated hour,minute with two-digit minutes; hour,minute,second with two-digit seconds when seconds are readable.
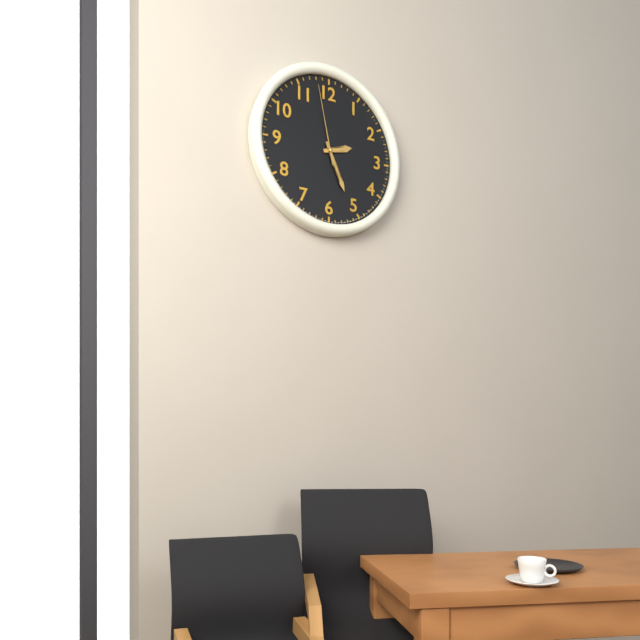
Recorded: 2,26,58
